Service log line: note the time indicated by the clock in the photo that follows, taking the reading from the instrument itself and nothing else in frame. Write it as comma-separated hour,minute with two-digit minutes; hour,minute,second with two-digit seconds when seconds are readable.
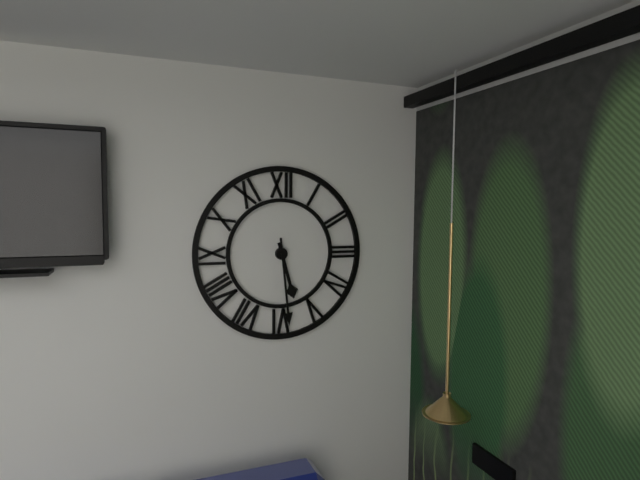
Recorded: 5,29
